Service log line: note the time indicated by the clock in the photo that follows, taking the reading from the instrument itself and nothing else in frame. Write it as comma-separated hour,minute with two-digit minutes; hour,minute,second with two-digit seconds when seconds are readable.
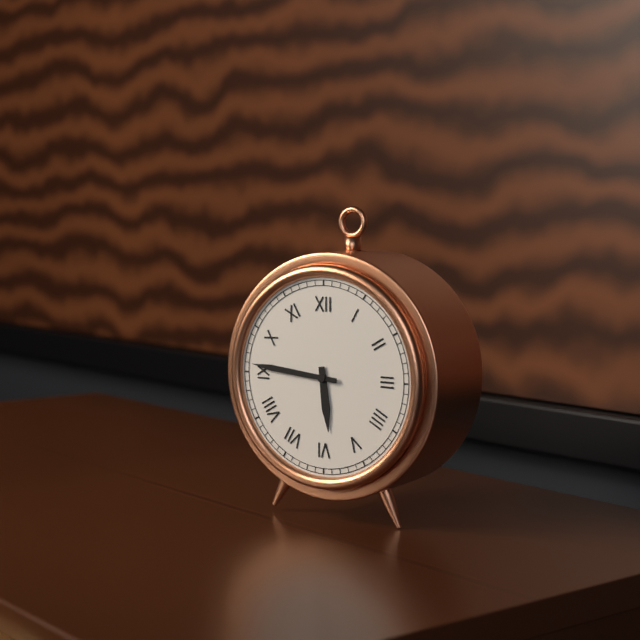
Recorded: 5,46
